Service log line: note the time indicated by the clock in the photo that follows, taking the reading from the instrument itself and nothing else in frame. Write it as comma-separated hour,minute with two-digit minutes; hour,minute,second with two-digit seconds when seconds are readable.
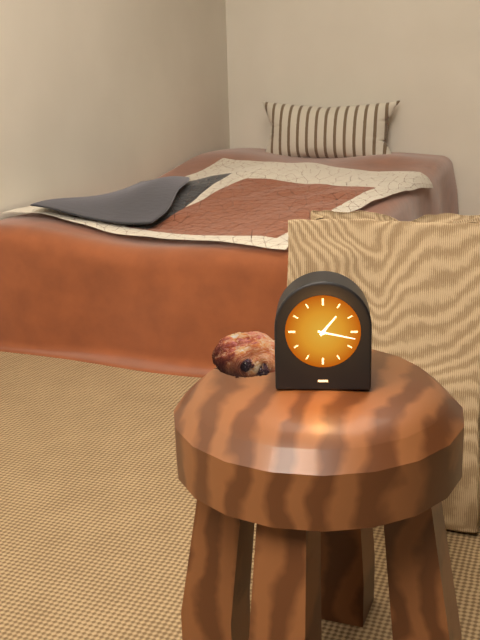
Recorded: 1,17
